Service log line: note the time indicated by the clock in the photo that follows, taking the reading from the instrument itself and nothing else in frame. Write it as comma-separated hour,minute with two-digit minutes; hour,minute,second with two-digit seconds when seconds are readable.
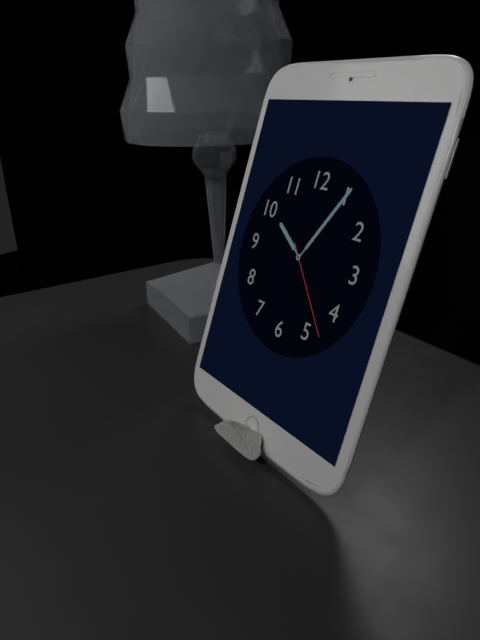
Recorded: 10,05,23
